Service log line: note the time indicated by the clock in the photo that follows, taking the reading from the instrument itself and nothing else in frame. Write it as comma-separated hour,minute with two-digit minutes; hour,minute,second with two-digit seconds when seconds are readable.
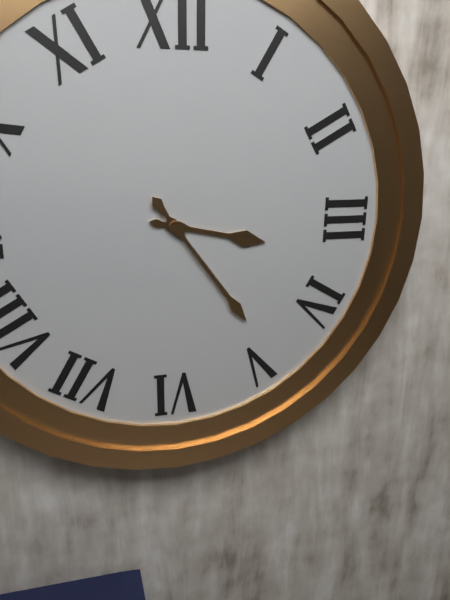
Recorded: 3,24
